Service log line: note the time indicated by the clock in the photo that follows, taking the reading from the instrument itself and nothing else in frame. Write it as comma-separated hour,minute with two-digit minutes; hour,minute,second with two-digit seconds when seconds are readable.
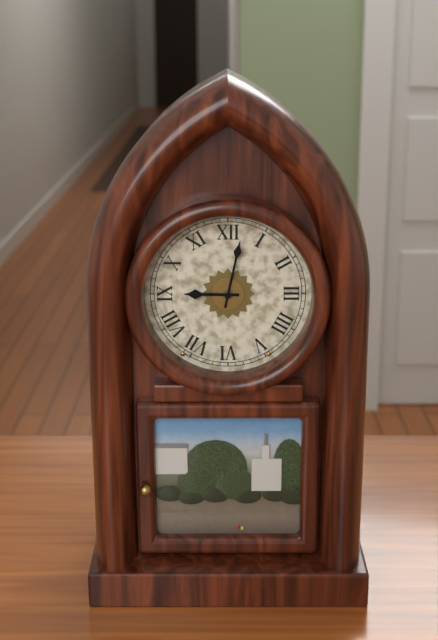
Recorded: 9,02
